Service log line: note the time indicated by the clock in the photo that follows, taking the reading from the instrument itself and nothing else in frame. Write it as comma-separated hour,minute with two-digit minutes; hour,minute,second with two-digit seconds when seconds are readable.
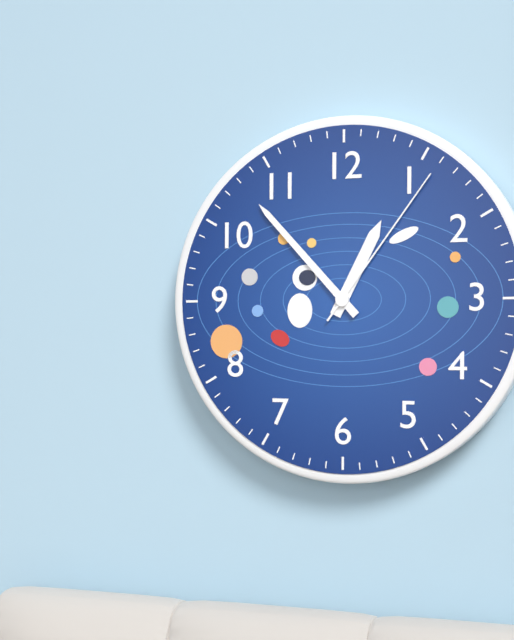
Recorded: 12,53,06
